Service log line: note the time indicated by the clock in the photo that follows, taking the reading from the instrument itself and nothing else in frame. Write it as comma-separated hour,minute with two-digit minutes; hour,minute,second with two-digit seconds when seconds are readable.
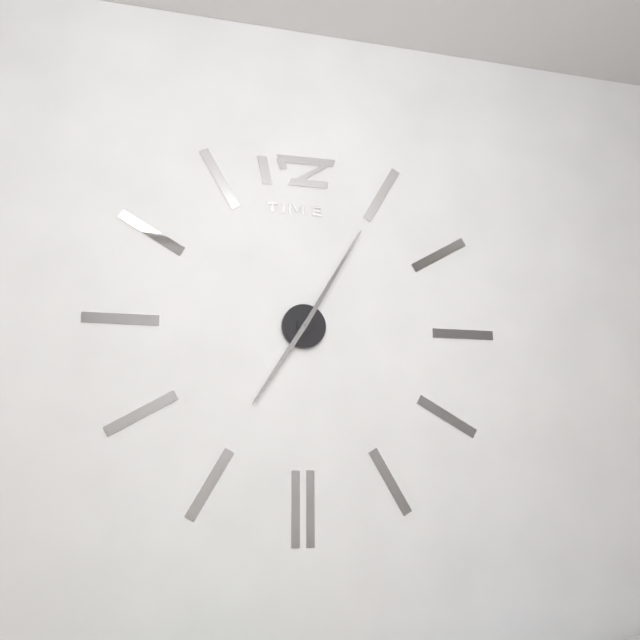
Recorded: 7,05
